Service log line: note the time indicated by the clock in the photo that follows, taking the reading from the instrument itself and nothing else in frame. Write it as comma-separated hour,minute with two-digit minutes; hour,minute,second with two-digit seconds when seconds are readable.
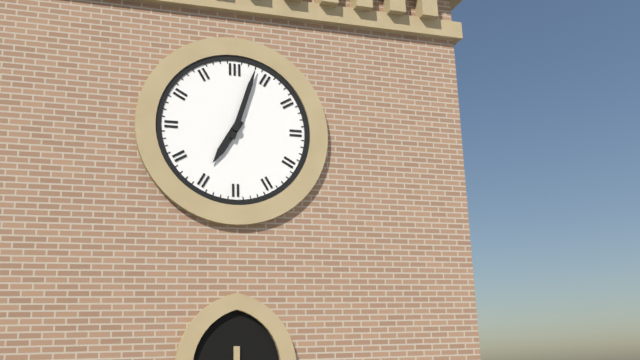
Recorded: 7,03
